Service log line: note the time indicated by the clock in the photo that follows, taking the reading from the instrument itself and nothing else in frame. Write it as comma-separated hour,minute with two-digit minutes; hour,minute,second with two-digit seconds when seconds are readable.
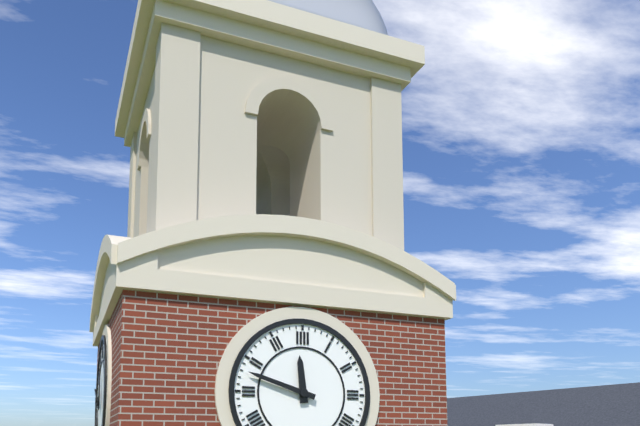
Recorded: 11,48
